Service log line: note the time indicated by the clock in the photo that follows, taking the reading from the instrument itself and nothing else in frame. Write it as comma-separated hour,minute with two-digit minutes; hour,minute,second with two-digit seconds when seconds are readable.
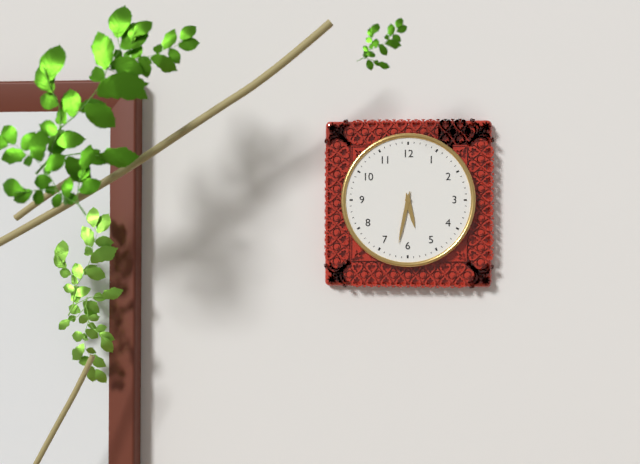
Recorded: 5,32
